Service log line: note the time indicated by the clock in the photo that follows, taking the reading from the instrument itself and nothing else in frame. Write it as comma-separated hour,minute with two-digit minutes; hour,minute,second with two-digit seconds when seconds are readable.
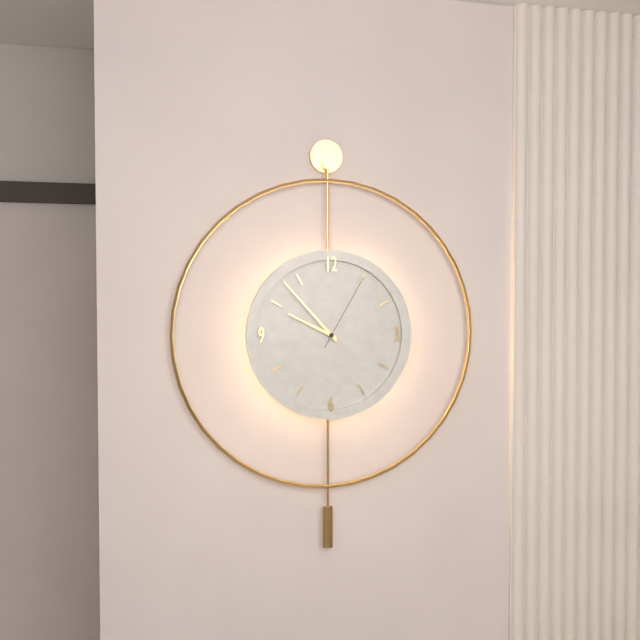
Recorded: 9,53,05
